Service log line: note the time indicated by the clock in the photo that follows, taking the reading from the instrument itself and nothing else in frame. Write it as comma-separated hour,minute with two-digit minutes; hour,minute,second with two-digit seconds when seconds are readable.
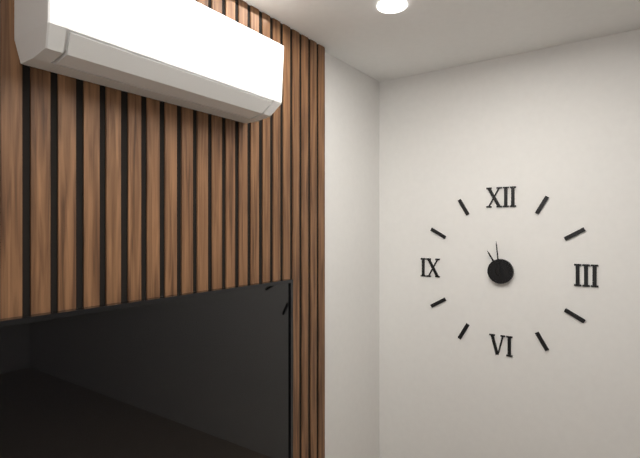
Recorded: 10,59
